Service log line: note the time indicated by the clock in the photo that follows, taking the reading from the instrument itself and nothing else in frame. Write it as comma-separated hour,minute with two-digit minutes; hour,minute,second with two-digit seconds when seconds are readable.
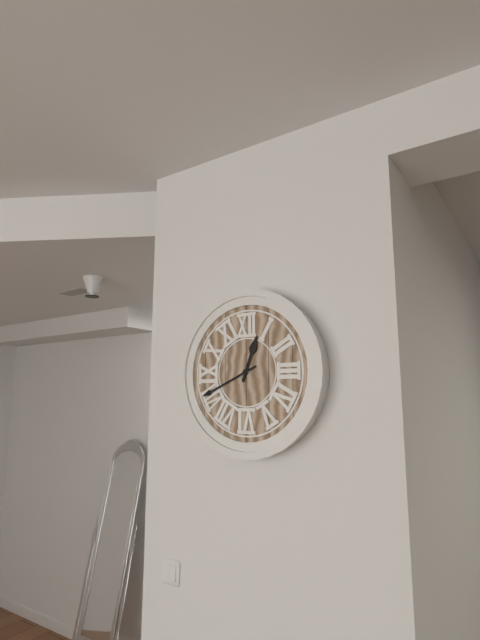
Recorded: 12,41
